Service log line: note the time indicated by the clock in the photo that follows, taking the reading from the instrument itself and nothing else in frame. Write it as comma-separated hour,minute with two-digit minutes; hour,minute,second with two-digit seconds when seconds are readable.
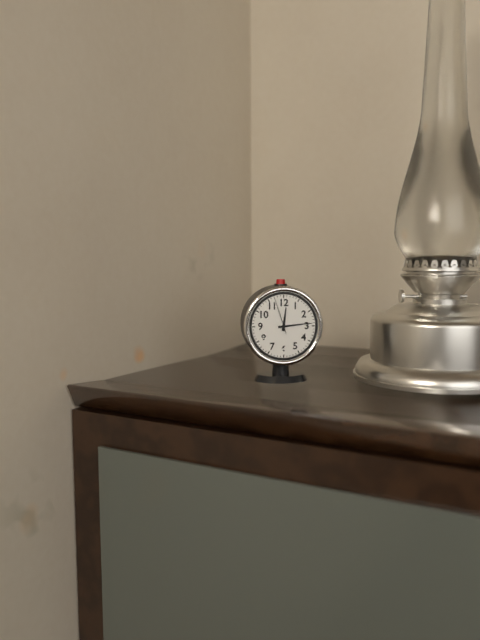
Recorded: 12,14
